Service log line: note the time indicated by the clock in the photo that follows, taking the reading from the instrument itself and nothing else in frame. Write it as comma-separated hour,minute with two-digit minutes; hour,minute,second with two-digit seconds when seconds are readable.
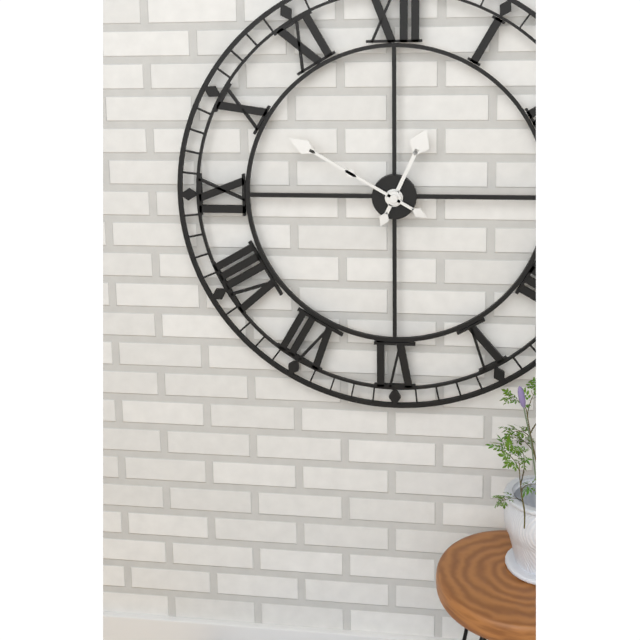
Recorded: 12,50
